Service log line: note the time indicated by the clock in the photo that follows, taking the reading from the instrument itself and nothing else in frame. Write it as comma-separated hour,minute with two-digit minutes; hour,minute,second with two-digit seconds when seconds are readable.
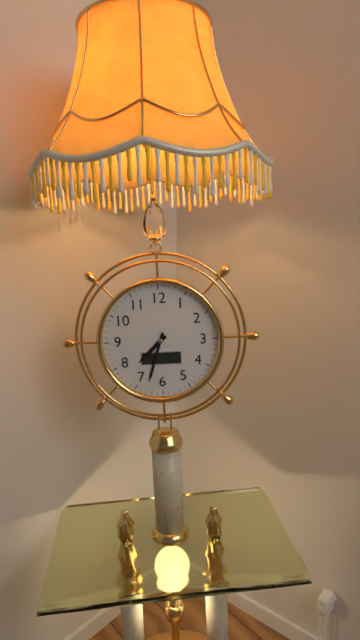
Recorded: 7,33
